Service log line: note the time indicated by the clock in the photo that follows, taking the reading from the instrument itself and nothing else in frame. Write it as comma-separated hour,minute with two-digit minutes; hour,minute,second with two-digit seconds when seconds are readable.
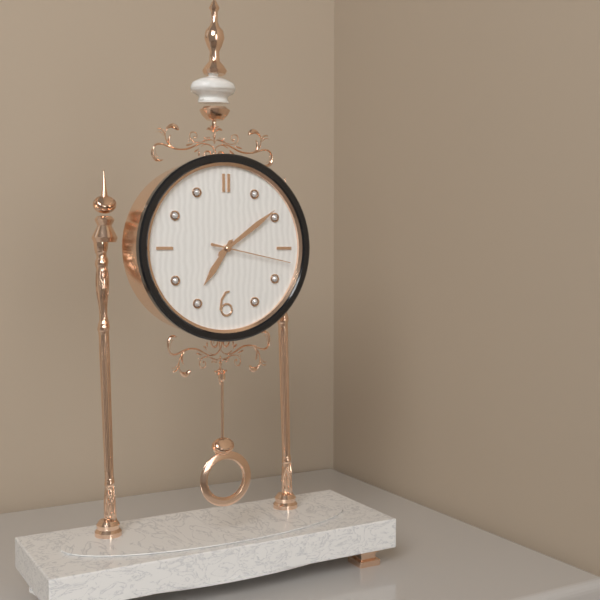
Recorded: 7,09,17
